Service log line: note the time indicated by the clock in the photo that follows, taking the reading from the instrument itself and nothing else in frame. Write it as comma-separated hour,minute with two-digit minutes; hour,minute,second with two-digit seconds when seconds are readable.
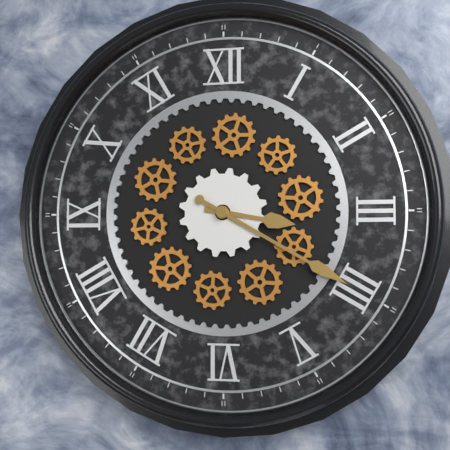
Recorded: 3,20
